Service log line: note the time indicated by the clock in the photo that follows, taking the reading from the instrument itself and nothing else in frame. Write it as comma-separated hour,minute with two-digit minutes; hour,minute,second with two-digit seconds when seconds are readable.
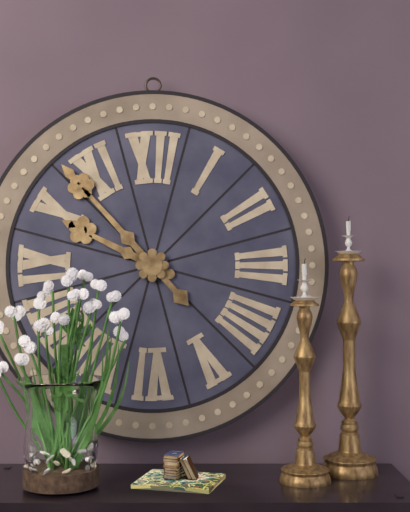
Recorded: 9,53
